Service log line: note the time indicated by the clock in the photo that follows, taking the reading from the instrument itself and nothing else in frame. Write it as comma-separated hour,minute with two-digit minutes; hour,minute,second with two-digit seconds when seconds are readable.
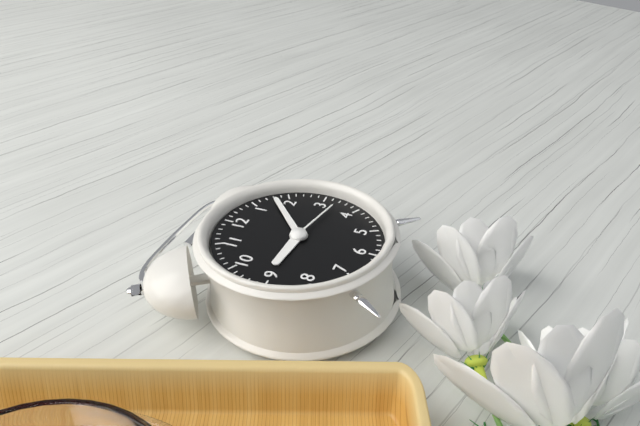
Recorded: 9,08,17
